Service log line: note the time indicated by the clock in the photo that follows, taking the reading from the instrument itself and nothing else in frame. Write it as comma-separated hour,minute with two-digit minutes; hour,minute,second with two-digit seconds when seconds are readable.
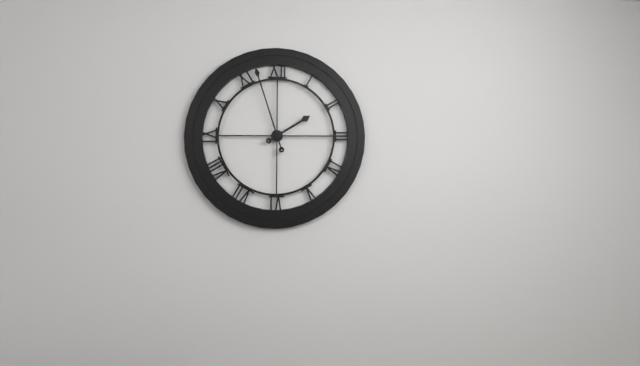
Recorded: 1,57
